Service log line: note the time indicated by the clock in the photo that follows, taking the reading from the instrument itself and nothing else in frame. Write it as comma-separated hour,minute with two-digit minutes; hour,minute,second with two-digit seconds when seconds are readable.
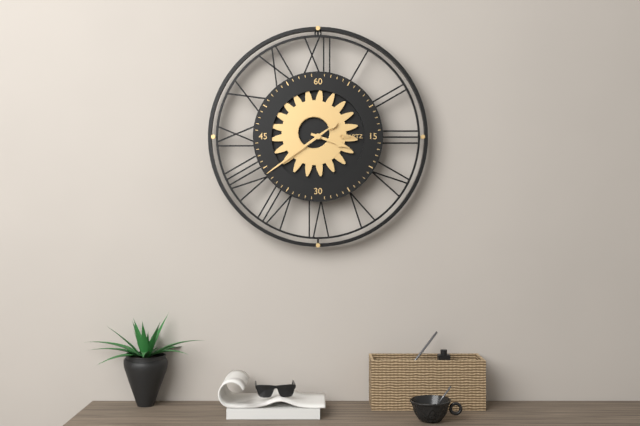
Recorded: 3,39
